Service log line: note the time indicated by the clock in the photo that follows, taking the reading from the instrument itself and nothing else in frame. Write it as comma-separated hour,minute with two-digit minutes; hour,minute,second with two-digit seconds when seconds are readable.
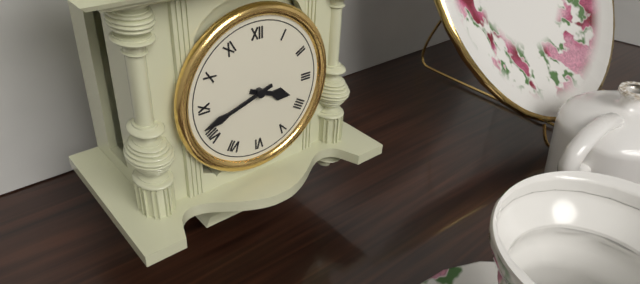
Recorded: 3,42
